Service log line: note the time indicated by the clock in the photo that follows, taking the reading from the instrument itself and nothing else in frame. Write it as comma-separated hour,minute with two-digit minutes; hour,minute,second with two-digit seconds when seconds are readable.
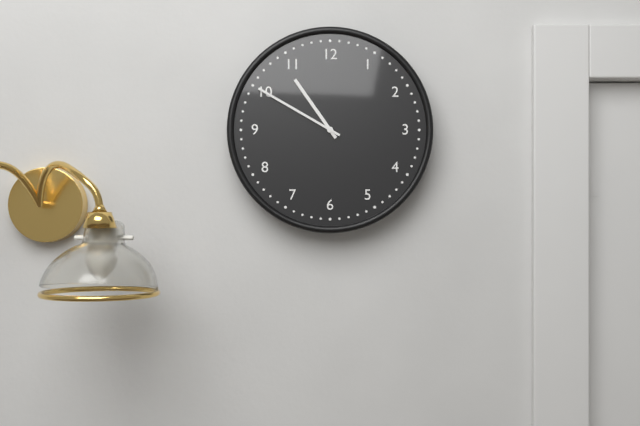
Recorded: 10,50
